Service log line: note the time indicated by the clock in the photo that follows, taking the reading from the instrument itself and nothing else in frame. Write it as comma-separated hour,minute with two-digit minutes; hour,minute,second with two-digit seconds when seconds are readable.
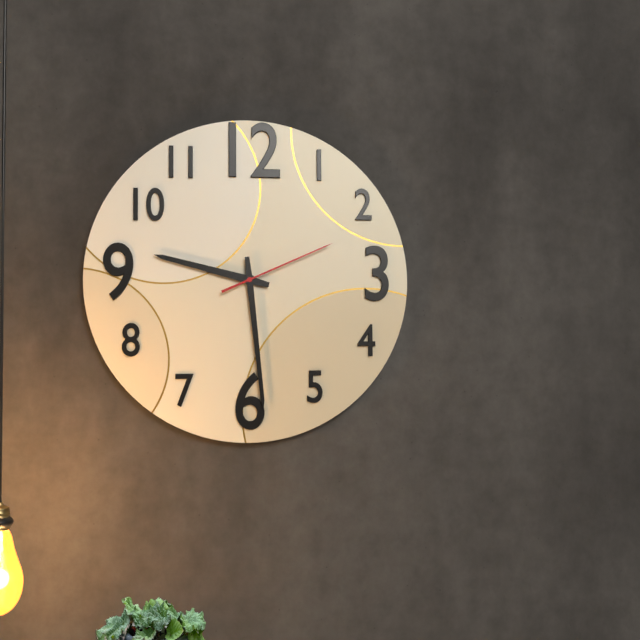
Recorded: 9,29,11
